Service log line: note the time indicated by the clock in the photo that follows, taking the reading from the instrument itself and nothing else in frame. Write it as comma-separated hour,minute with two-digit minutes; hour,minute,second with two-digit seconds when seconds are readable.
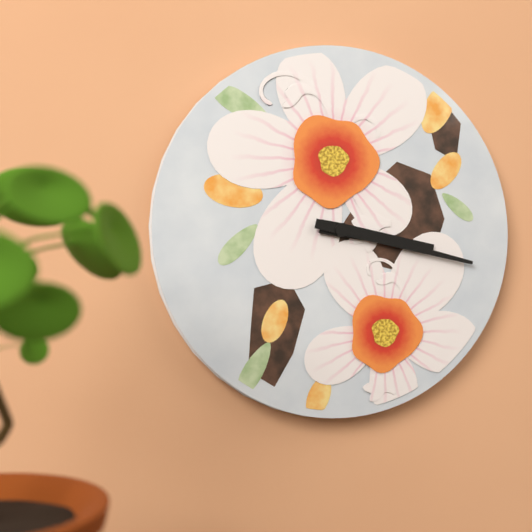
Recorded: 3,17
